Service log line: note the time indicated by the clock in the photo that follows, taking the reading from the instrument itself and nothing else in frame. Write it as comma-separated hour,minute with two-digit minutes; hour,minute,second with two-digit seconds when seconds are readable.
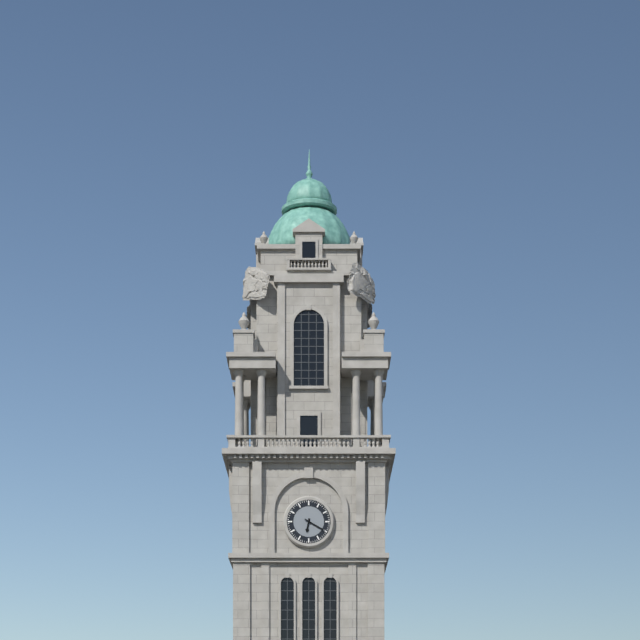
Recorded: 6,20
